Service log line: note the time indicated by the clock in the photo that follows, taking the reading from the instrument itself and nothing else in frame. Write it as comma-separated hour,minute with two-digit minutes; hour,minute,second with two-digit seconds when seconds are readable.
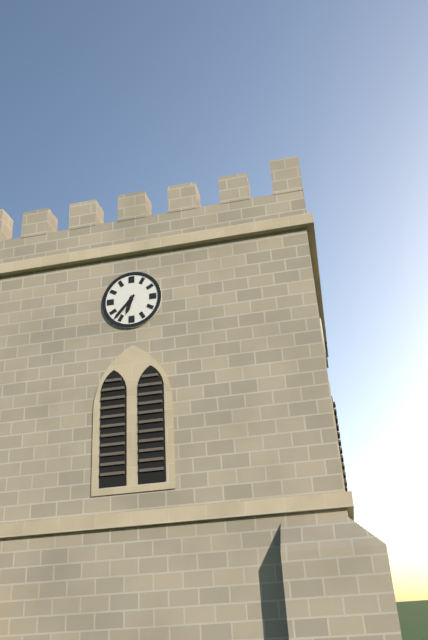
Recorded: 6,37
